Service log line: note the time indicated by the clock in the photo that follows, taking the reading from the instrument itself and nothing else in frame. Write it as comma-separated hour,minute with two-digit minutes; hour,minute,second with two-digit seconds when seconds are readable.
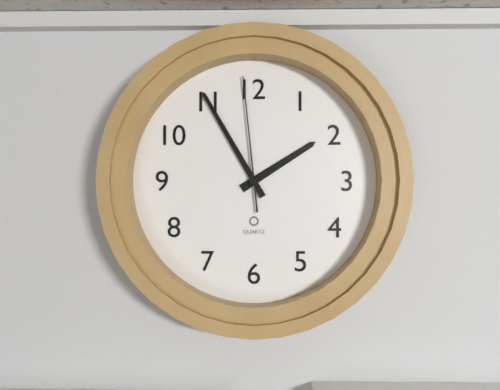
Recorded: 1,55,59
